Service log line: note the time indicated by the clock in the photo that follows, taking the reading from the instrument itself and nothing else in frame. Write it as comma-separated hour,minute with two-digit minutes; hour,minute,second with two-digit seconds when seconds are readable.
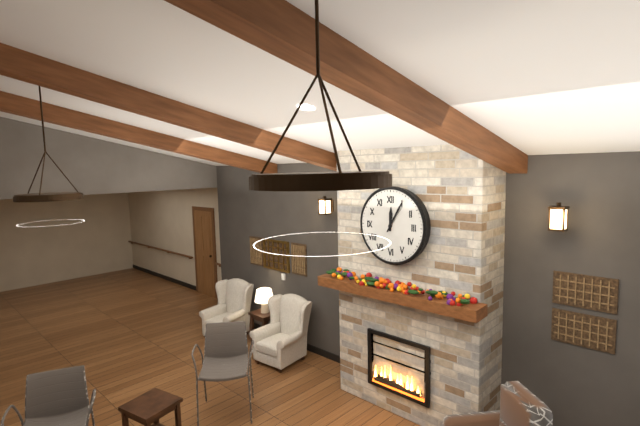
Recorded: 12,05
